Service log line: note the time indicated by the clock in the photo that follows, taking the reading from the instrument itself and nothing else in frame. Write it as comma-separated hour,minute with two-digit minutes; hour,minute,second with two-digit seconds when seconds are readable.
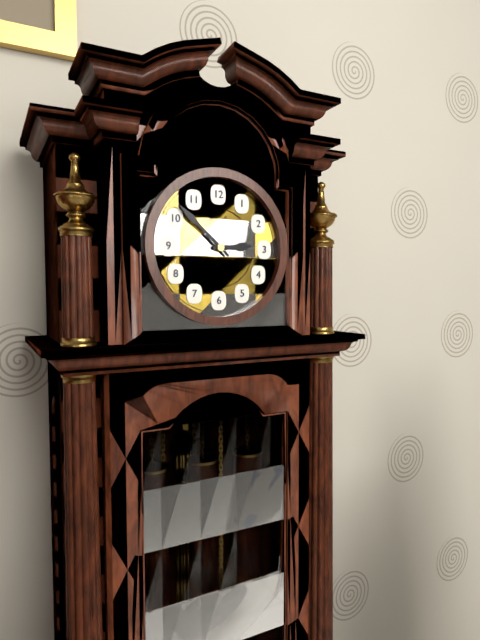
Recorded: 2,52
